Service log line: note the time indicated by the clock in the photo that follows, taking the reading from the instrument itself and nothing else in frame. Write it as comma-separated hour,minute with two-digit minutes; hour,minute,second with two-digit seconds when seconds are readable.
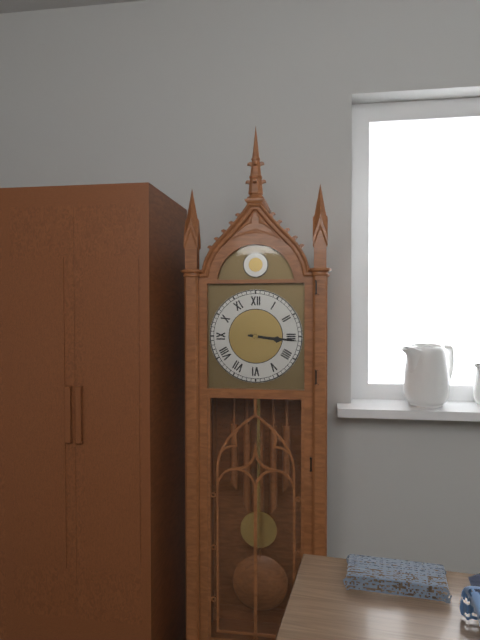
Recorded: 3,16
